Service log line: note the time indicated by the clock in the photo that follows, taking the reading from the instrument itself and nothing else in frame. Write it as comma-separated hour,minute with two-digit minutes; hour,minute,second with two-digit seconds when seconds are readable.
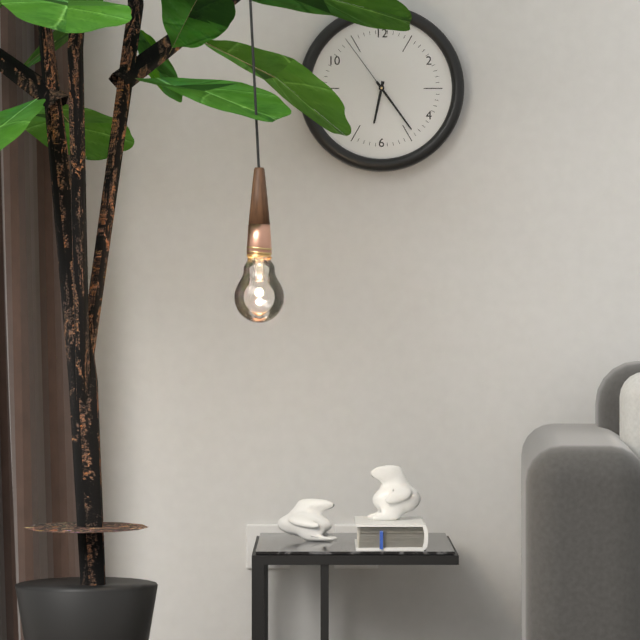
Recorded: 6,24,54
